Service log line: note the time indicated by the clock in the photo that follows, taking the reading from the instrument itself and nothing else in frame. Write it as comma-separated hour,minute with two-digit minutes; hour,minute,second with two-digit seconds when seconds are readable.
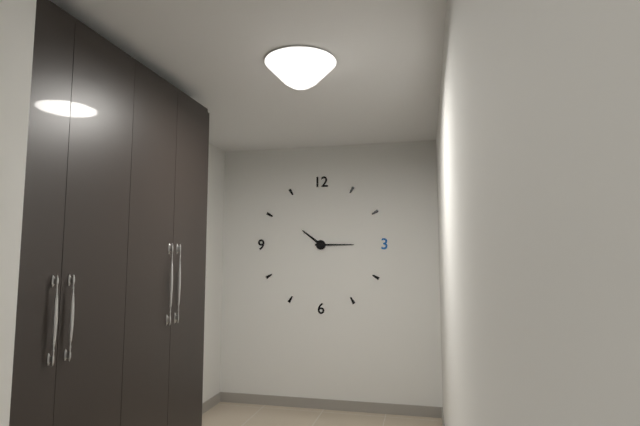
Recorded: 10,15
